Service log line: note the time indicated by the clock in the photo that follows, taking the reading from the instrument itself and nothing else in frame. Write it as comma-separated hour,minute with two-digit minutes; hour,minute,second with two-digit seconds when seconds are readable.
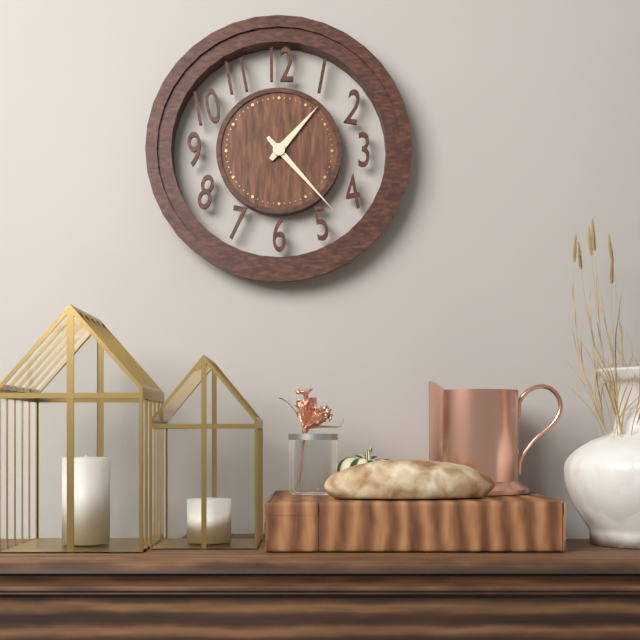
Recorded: 1,23
